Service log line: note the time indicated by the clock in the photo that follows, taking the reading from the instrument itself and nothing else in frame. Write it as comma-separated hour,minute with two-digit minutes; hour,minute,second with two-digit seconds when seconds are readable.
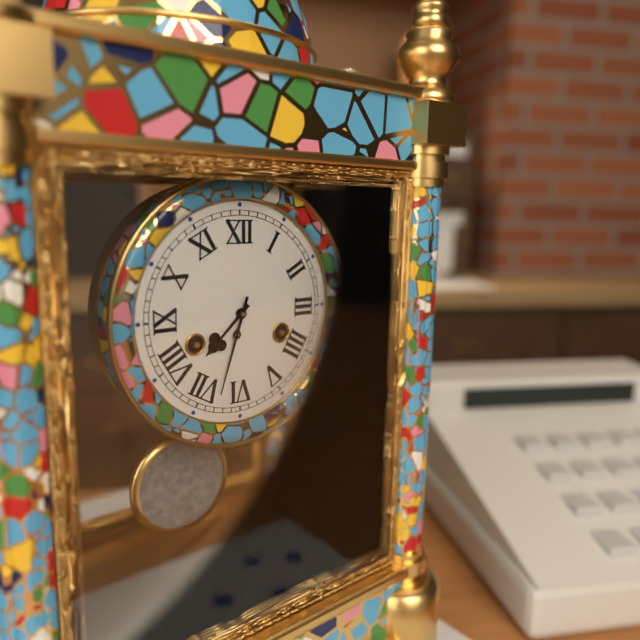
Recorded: 7,33
